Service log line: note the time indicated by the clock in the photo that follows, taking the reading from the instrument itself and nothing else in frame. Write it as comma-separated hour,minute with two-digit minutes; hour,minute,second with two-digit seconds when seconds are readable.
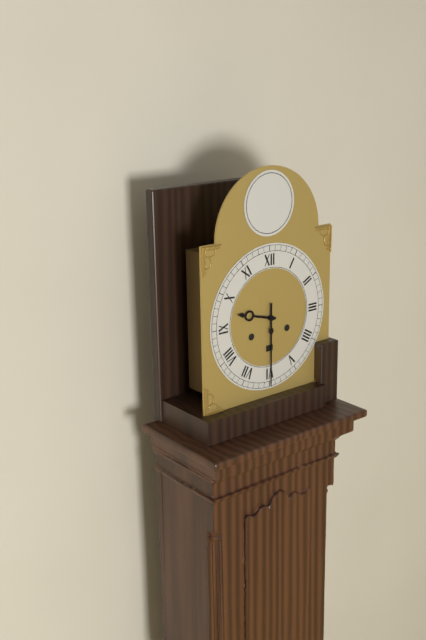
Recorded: 9,30
